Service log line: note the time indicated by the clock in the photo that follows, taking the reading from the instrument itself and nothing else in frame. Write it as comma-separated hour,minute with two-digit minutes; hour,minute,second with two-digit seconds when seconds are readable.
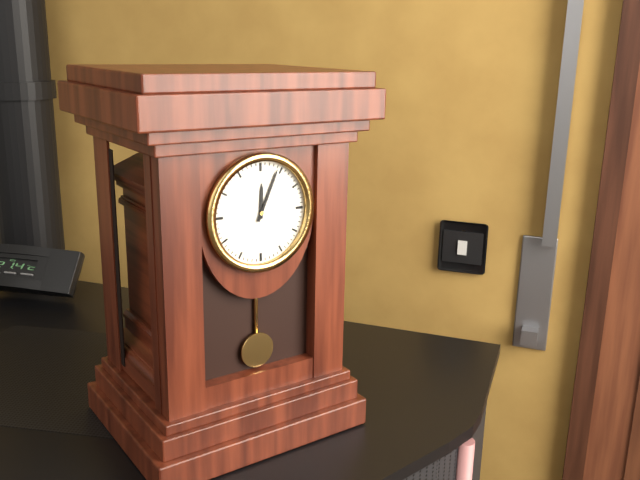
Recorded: 12,04
